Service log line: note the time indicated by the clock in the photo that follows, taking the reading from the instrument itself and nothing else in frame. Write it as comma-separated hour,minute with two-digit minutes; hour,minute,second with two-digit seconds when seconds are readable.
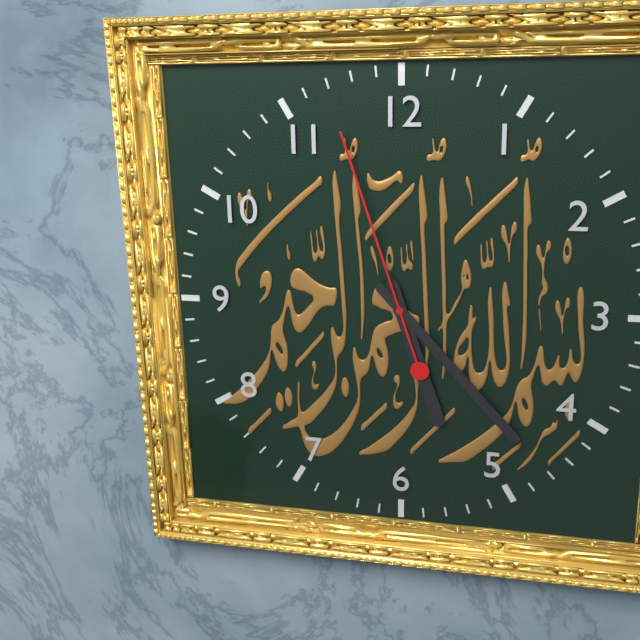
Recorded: 5,23,57
